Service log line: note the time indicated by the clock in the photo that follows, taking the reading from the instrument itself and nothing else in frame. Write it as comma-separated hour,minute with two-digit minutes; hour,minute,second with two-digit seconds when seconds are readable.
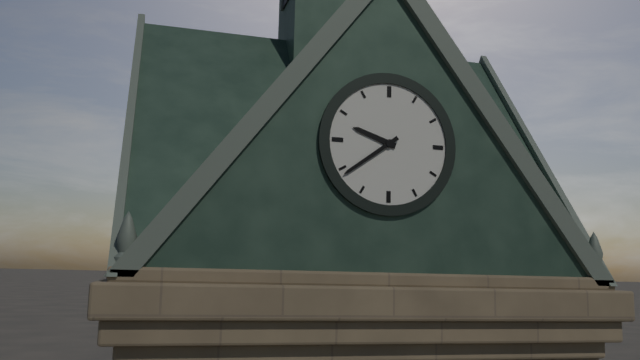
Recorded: 9,39
